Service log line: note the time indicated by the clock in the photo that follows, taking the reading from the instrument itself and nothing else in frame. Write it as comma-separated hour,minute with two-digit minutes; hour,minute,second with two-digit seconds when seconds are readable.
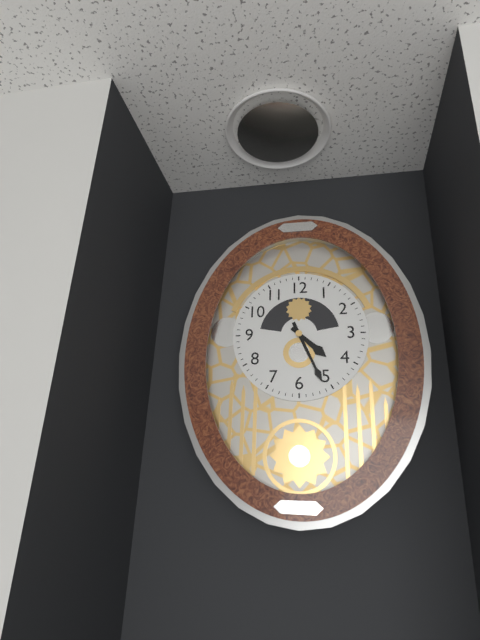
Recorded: 4,26
